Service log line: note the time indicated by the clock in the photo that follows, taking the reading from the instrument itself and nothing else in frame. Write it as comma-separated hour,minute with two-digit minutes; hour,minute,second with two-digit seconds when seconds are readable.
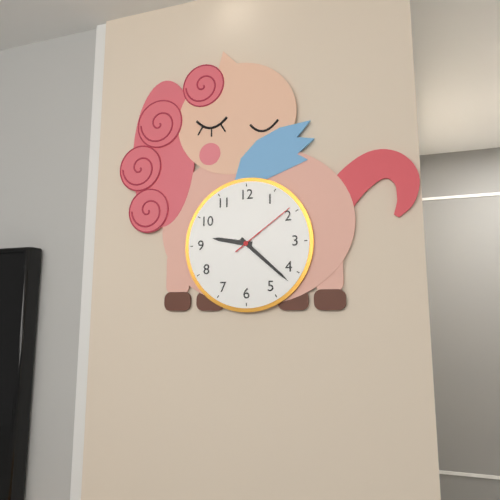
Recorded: 9,22,09
